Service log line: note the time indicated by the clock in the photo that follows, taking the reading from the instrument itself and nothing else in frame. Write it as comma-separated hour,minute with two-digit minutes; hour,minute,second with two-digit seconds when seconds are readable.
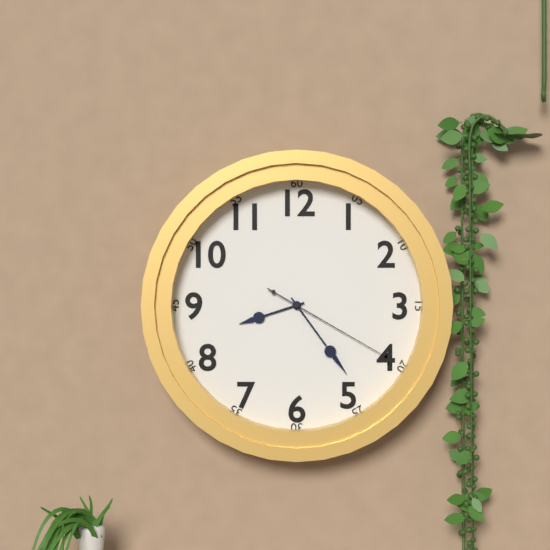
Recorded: 8,24,20
